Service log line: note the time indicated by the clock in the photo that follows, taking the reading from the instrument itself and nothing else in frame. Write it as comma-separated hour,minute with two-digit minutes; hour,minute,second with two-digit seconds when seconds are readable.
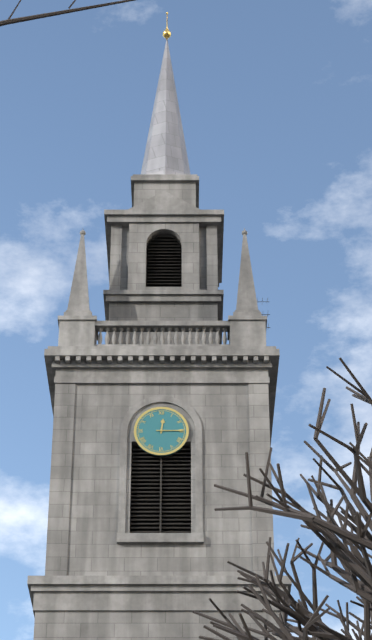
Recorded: 12,15
